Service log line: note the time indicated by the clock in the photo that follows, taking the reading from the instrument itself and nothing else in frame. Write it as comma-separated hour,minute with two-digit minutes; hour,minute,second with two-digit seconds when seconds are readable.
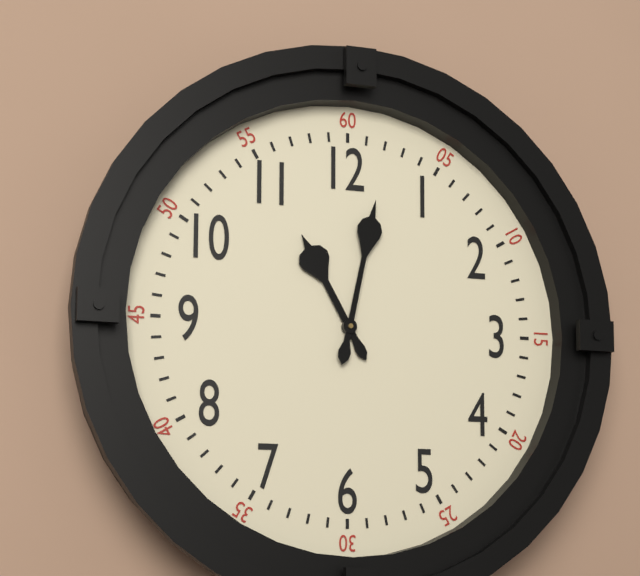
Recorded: 11,02
